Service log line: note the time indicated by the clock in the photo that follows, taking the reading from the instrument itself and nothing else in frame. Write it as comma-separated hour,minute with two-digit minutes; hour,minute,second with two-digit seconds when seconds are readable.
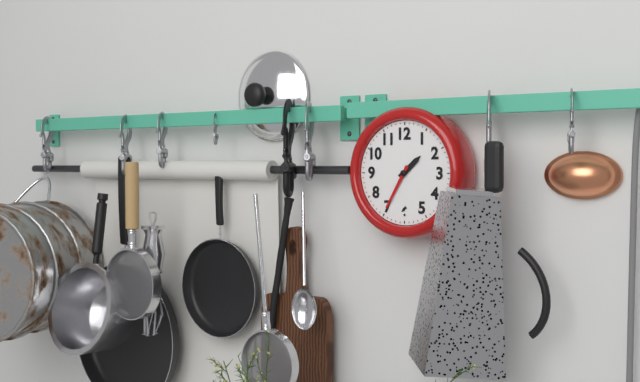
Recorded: 1,35
